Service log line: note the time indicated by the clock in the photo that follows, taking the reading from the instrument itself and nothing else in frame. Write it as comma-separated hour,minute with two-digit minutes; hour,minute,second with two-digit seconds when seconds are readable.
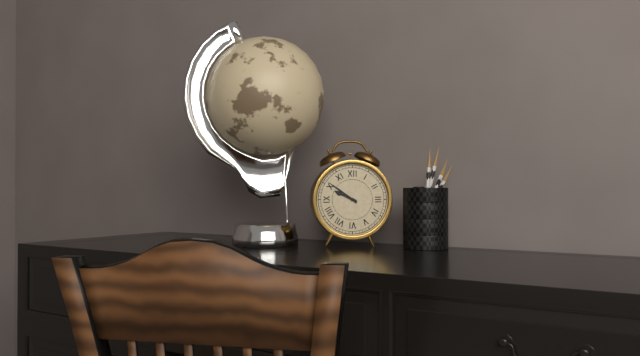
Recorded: 9,51
